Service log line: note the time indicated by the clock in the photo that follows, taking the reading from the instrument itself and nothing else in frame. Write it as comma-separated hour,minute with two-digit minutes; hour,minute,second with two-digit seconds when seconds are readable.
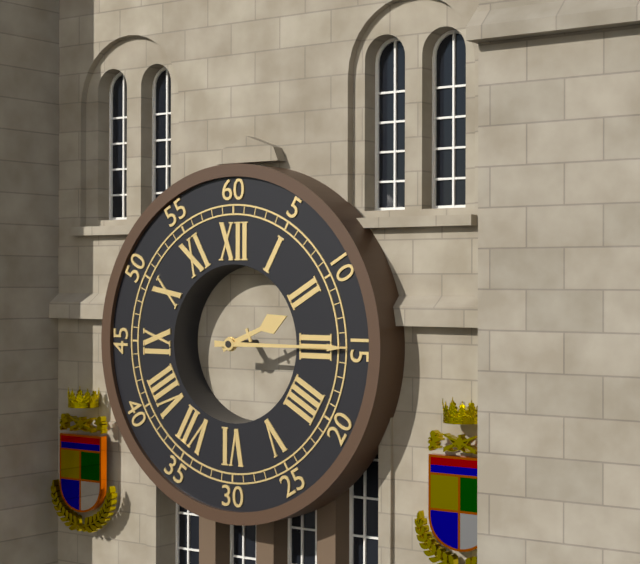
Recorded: 2,15
